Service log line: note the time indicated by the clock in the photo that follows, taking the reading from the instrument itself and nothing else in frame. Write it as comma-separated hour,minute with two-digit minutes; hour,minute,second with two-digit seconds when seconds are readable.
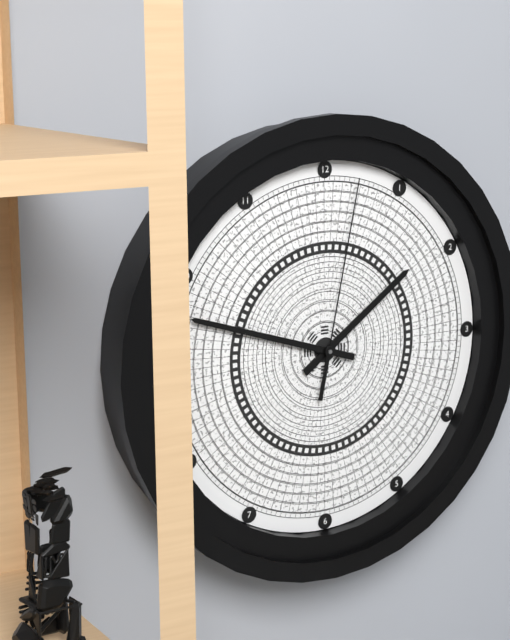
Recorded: 1,48,02
